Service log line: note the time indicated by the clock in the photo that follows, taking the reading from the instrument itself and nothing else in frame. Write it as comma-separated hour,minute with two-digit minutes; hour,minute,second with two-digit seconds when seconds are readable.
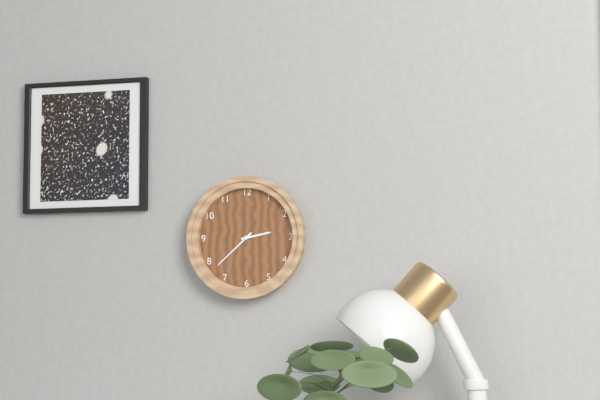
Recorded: 2,38
